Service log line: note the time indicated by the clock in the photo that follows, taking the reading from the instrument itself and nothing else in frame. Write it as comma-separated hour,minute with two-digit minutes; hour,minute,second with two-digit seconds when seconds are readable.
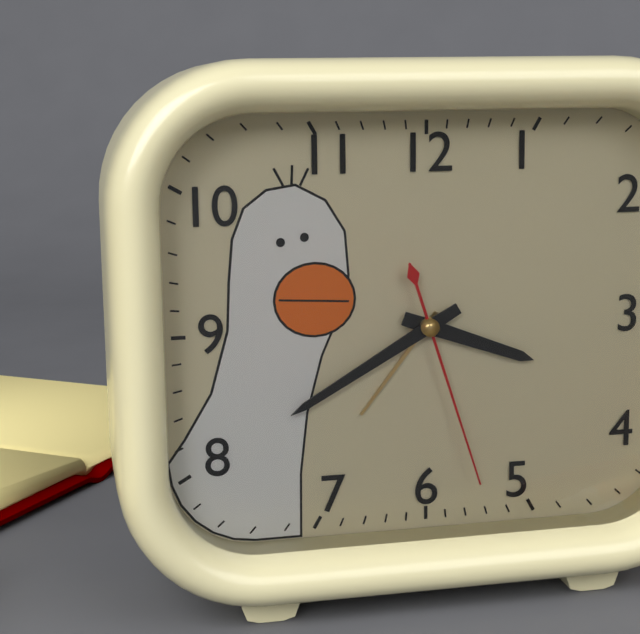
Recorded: 3,40,27
